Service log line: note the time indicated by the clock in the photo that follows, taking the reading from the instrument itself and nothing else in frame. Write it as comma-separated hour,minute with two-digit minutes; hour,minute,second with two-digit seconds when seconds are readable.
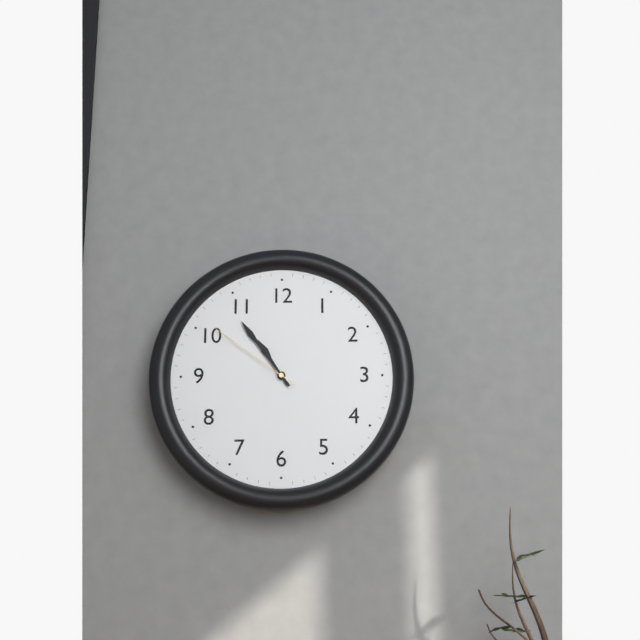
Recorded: 10,54,51
